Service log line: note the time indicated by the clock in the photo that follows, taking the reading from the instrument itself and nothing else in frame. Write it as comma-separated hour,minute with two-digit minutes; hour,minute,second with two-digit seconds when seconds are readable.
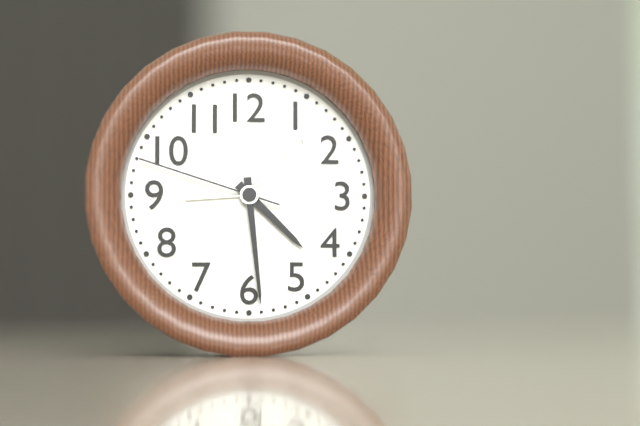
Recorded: 4,29,48
